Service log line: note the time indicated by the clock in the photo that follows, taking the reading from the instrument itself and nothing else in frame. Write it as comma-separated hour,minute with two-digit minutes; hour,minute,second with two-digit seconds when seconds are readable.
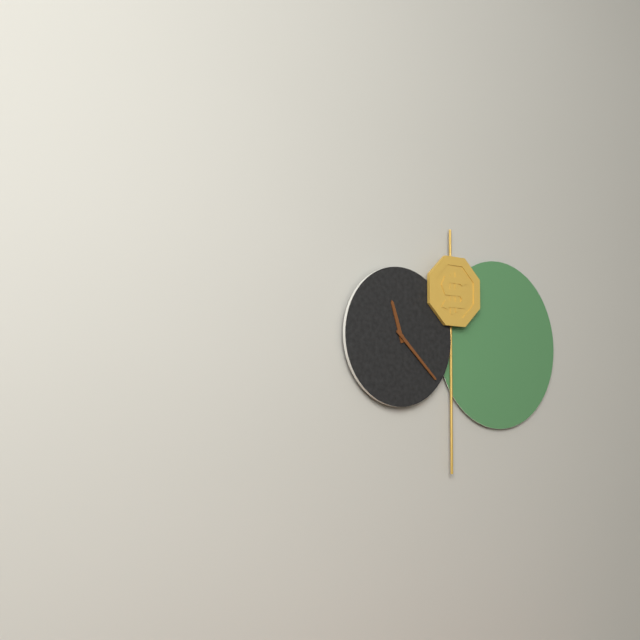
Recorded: 11,22
